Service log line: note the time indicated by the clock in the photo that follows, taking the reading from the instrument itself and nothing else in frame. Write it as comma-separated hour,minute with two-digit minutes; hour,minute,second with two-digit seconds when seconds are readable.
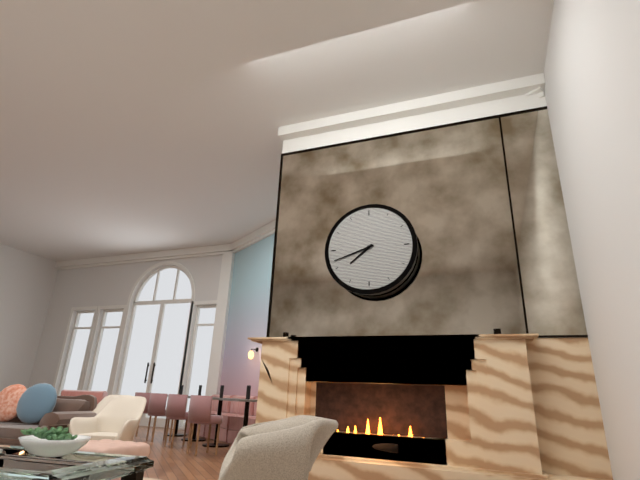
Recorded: 7,42
